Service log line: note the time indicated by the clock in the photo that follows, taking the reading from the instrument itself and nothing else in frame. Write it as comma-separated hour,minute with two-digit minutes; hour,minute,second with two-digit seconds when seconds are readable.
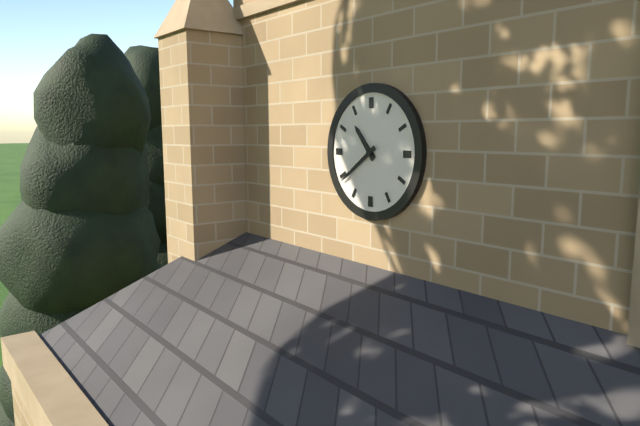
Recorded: 10,39
